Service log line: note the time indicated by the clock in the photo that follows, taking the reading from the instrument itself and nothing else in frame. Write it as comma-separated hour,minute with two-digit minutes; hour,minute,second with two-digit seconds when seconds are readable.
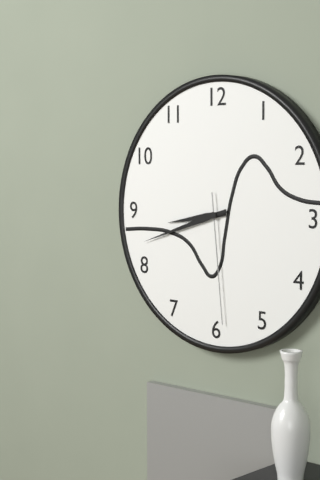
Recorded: 8,42,29
